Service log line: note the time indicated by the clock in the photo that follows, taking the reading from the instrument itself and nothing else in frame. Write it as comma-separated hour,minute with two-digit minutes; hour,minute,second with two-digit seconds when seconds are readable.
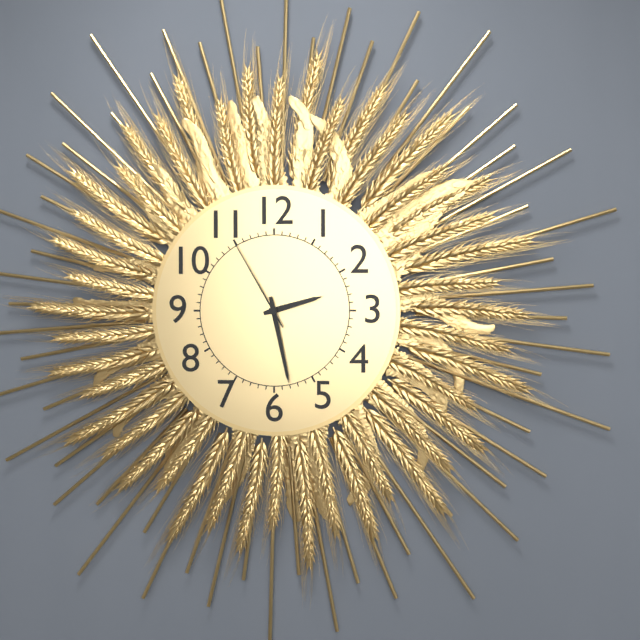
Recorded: 2,28,55
